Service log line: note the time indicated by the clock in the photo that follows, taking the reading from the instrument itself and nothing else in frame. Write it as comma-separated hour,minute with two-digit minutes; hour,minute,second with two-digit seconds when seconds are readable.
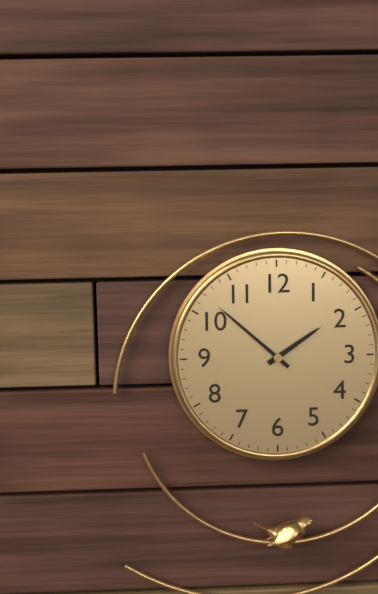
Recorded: 1,52
